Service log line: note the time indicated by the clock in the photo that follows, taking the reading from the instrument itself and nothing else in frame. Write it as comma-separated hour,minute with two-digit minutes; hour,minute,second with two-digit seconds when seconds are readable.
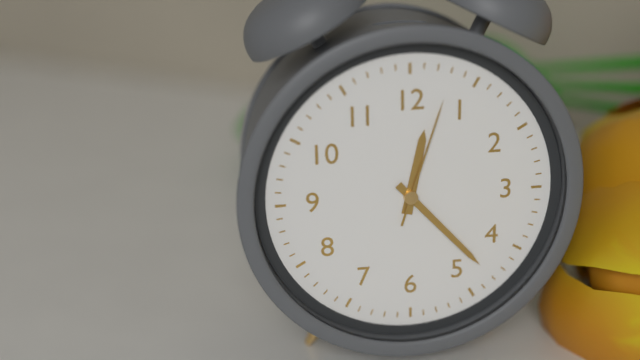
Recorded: 12,23,03
